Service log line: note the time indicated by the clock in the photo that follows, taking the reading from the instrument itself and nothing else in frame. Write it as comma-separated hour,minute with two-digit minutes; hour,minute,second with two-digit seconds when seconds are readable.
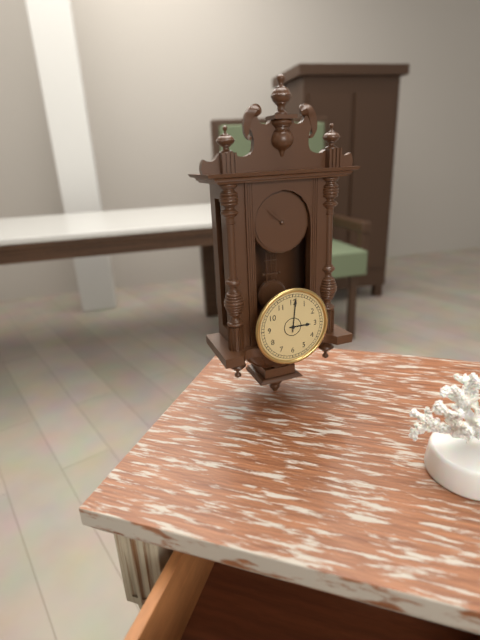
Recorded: 3,01
